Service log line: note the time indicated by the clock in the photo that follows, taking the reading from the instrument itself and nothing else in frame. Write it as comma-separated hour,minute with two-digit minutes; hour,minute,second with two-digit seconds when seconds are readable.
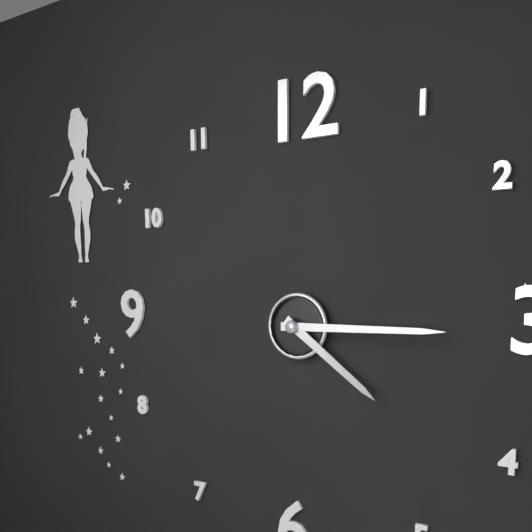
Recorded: 4,15
